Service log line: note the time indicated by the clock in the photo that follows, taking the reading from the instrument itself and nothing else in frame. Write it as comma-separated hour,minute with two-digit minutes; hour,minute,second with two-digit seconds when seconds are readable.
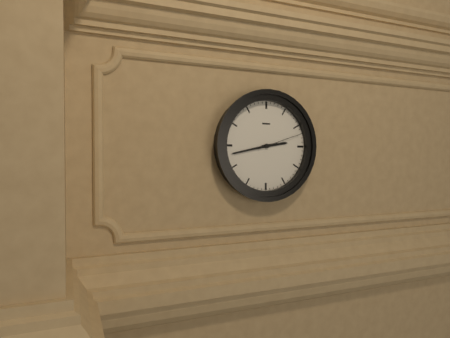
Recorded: 2,43
